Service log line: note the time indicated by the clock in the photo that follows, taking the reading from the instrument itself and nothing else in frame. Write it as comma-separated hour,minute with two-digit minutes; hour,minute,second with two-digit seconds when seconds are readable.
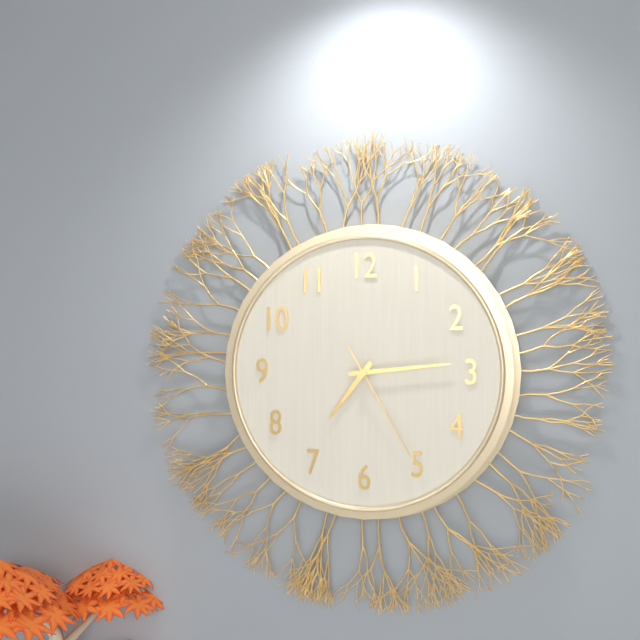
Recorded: 7,14,25
